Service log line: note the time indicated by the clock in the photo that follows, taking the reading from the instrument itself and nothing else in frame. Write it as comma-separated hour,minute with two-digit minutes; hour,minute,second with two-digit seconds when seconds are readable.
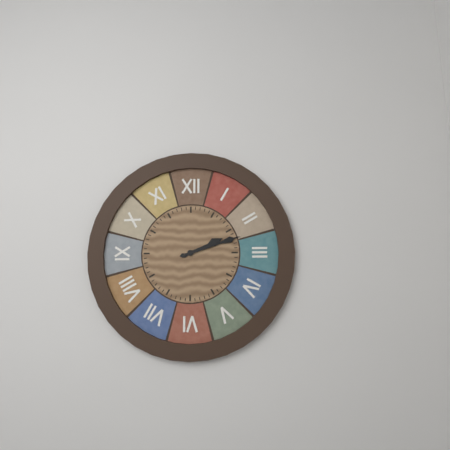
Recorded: 2,12
